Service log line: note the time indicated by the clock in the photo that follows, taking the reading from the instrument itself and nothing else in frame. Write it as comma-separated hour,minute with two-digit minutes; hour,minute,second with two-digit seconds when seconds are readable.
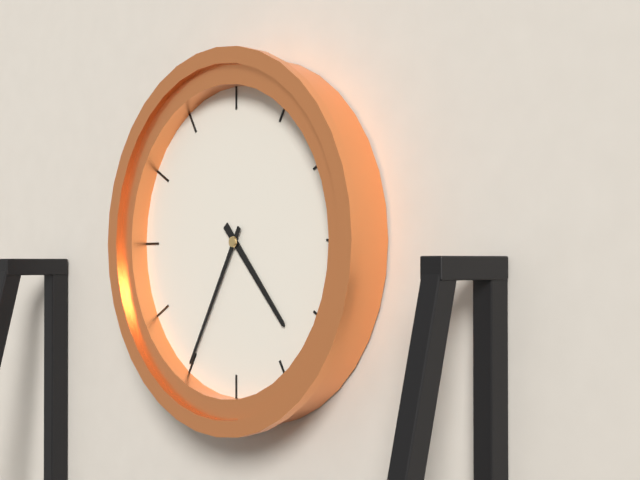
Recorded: 4,35
